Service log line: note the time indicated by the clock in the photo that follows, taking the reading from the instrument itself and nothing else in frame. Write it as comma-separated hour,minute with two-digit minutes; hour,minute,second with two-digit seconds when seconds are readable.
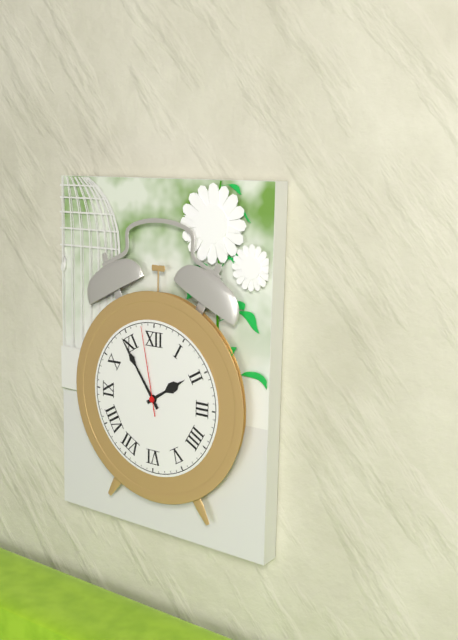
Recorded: 1,54,58
